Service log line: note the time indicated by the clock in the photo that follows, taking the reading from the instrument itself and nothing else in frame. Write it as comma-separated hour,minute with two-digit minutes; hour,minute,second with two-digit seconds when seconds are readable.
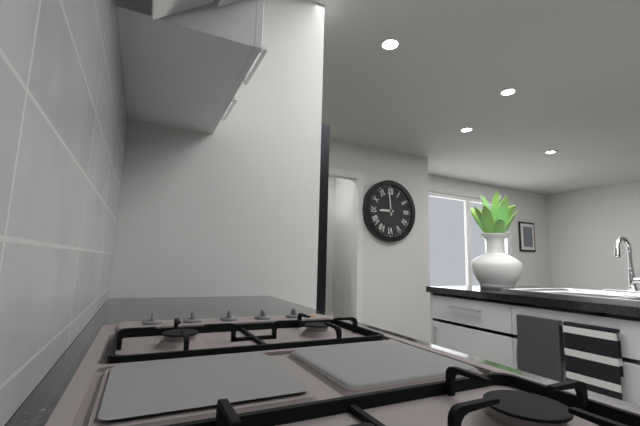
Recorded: 8,59
